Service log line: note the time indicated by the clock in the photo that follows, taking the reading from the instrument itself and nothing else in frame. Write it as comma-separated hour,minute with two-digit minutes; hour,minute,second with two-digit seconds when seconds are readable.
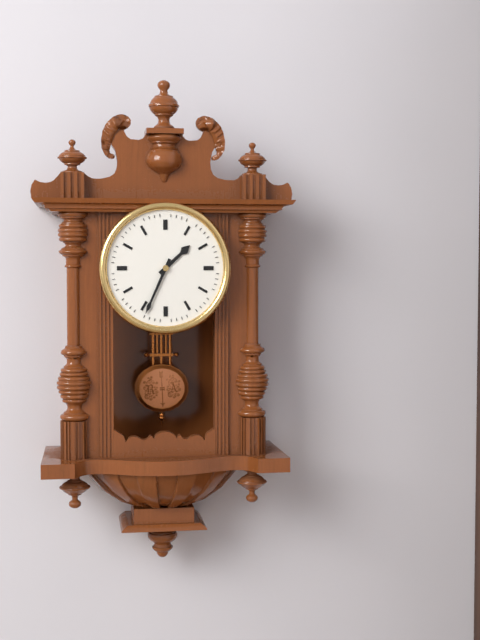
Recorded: 1,34
